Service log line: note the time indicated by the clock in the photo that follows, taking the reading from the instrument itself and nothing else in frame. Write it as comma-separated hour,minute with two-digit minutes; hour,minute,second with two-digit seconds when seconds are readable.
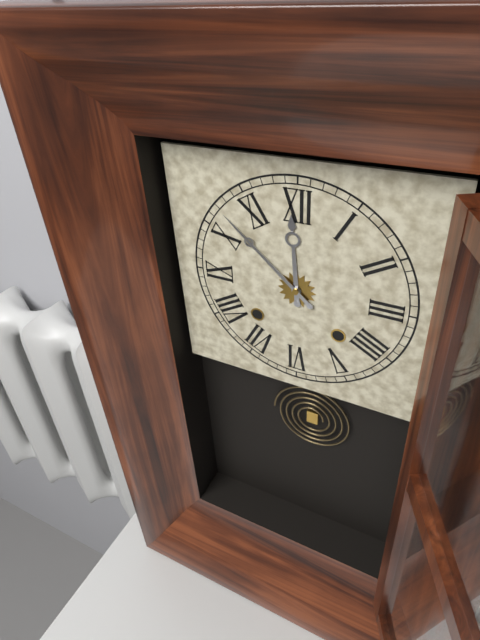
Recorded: 11,52
